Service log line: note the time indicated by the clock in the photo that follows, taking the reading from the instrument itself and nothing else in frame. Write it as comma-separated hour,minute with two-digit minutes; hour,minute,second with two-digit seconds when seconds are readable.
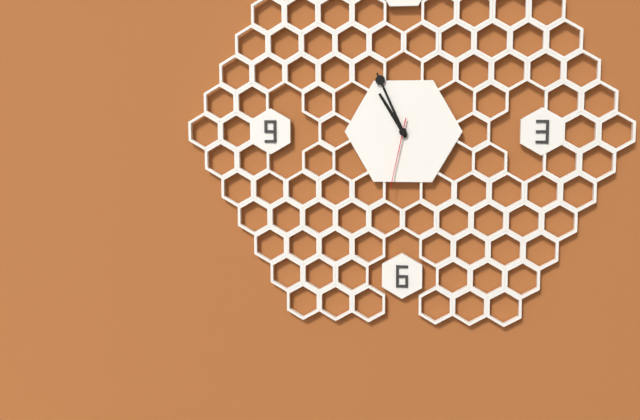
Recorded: 10,56,32
